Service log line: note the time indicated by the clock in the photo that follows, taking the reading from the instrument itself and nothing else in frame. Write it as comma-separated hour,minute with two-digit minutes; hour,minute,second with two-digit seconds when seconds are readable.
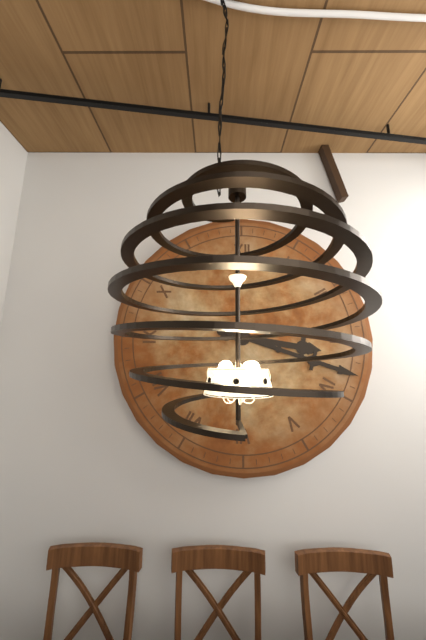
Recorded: 3,18
